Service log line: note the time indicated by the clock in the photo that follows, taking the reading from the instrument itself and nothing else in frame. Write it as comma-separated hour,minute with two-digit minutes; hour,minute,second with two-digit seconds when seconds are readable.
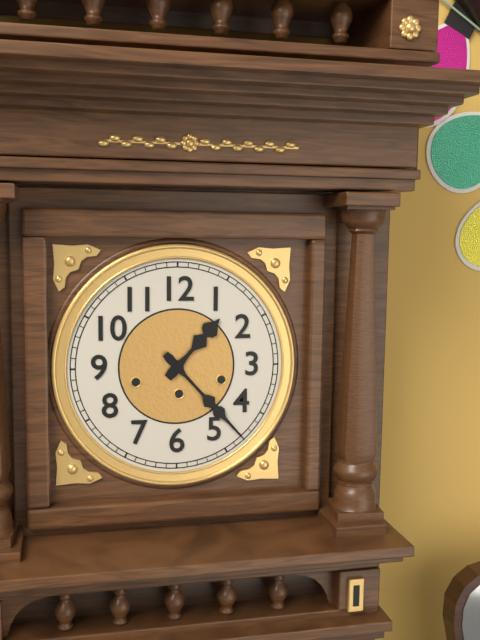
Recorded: 1,23
